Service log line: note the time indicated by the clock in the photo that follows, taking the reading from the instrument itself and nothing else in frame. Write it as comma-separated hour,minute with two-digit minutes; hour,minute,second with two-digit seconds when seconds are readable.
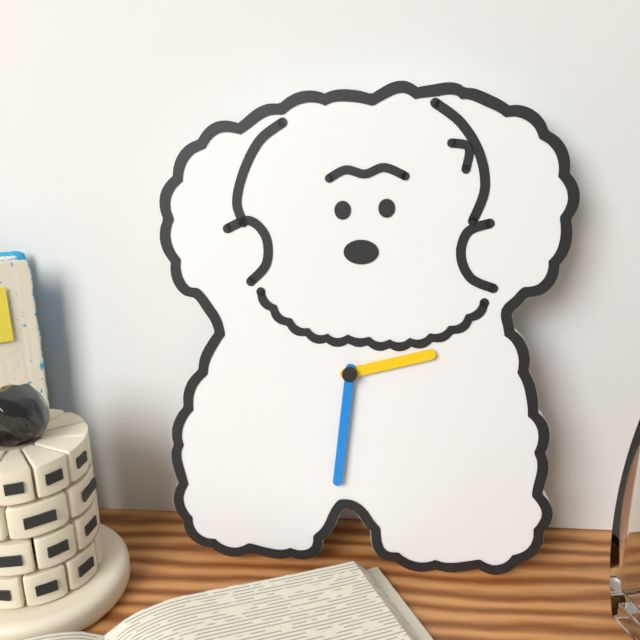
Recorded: 2,31
